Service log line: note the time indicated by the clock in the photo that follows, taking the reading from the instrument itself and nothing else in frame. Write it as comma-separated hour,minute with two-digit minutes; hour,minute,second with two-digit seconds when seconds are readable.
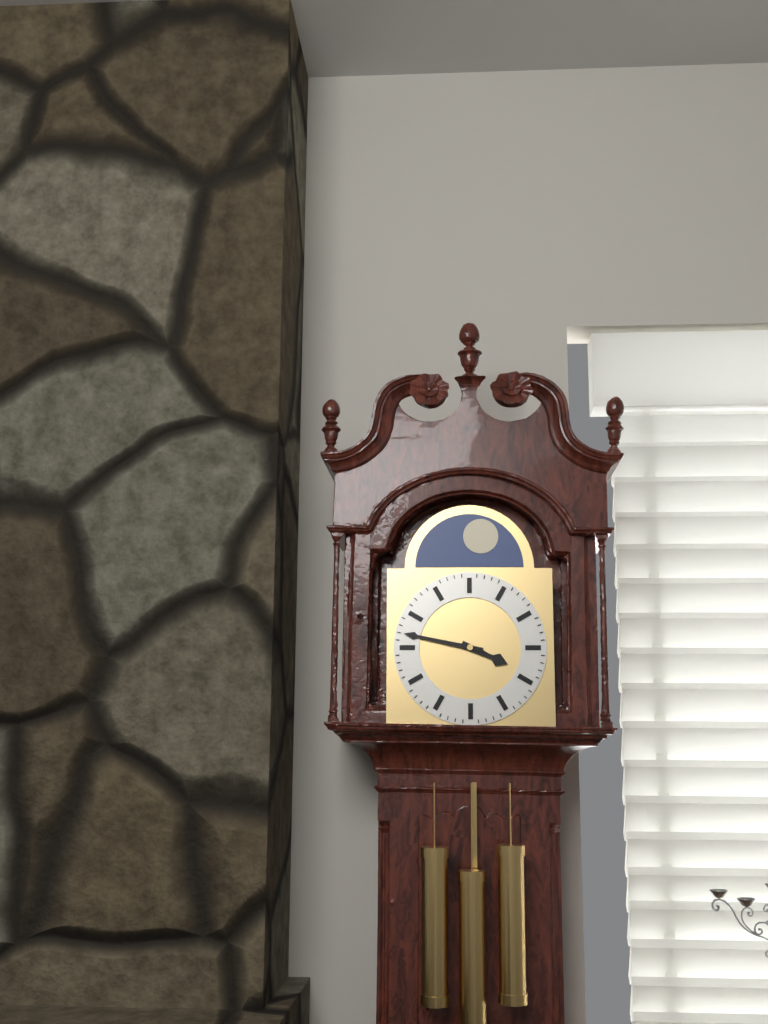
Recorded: 3,47
